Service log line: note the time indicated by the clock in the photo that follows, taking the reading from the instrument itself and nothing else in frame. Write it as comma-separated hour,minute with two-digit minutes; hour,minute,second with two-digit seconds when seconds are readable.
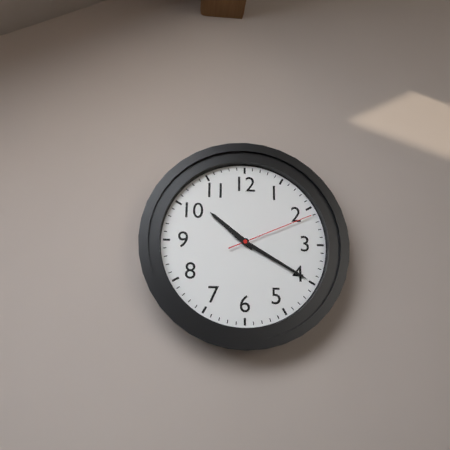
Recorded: 10,20,11
